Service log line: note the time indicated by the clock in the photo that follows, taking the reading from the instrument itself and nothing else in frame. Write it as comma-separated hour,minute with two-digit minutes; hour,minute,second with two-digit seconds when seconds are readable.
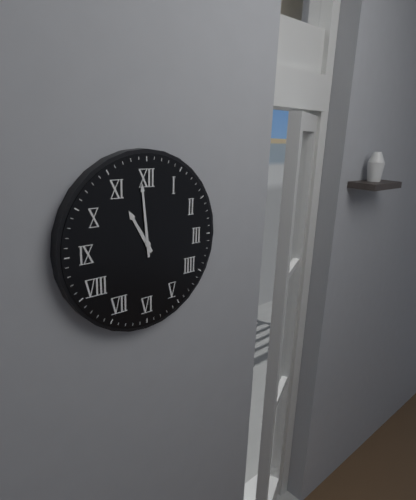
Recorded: 10,59
